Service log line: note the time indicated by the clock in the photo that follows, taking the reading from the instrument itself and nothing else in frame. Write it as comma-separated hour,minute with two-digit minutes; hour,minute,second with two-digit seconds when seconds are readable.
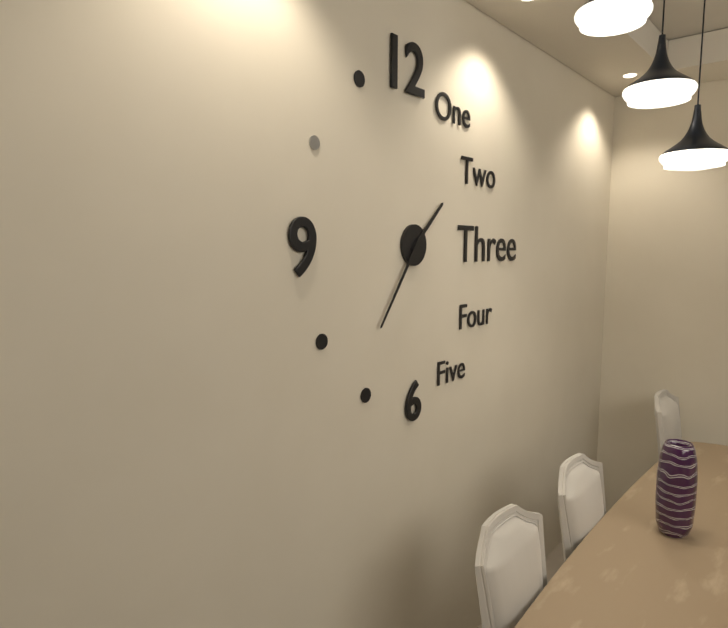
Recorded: 1,36
